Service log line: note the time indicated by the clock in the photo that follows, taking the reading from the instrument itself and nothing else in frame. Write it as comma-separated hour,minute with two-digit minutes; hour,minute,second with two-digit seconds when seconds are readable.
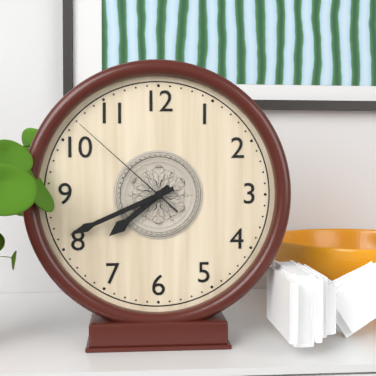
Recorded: 7,41,52
